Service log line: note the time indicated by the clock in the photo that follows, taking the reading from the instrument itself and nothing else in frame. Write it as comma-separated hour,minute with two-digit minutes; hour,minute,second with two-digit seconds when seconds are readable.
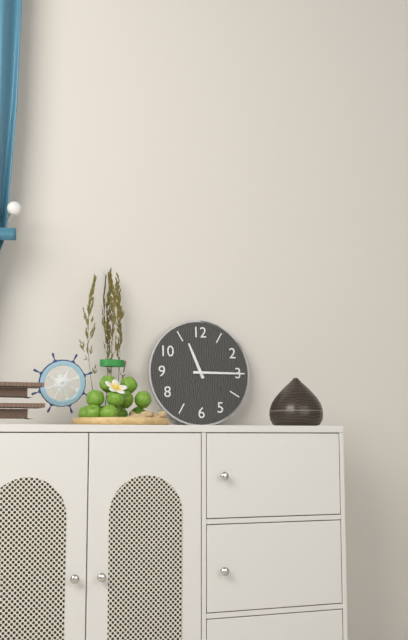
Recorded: 11,15
